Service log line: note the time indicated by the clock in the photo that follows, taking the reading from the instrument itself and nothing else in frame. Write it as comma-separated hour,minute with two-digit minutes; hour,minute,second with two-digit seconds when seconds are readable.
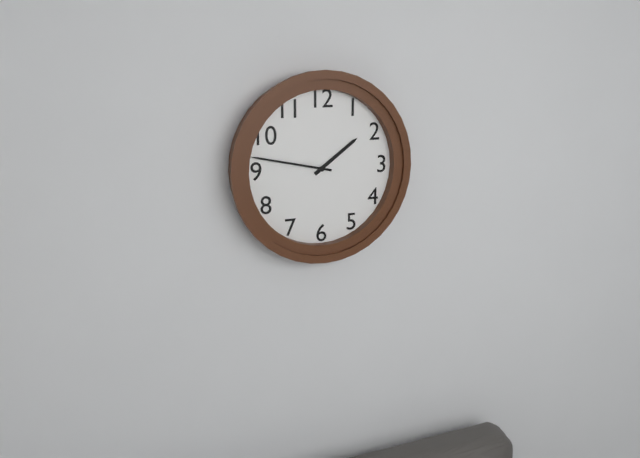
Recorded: 1,47
